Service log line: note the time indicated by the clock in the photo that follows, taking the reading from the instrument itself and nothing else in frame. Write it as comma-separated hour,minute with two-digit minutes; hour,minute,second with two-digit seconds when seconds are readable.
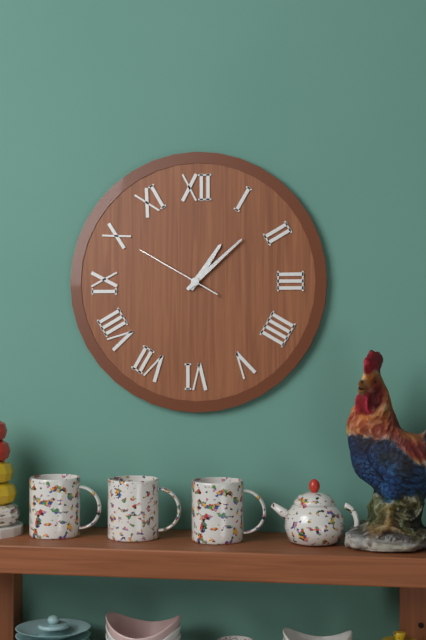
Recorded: 1,08,50
